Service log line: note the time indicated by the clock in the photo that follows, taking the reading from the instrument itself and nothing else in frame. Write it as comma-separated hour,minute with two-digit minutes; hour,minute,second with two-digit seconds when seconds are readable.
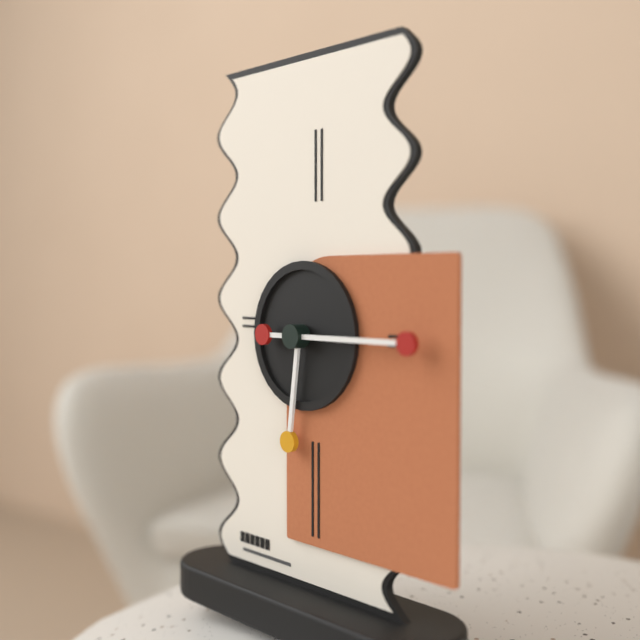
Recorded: 6,15
